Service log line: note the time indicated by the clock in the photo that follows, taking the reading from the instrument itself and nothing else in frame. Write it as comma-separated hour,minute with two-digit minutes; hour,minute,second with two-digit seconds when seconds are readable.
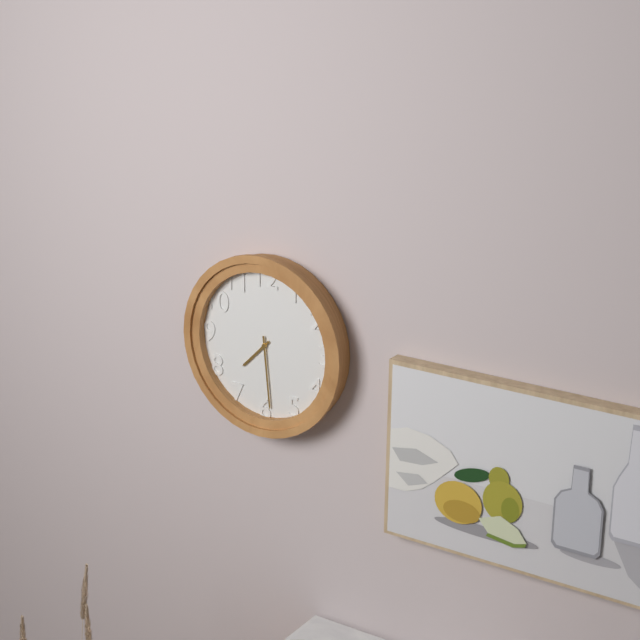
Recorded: 7,29
